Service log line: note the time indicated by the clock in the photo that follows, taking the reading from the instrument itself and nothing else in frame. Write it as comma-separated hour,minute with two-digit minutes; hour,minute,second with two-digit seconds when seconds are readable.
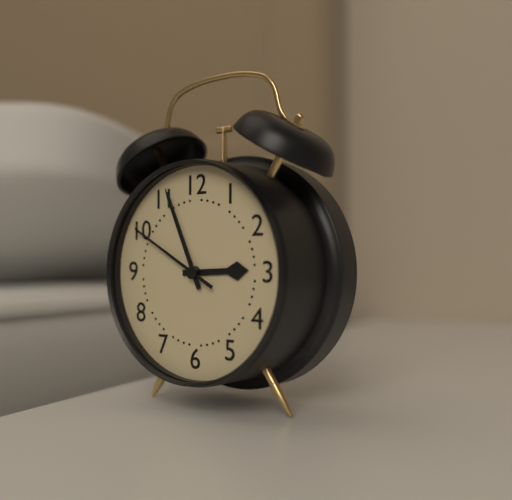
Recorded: 2,56,50
